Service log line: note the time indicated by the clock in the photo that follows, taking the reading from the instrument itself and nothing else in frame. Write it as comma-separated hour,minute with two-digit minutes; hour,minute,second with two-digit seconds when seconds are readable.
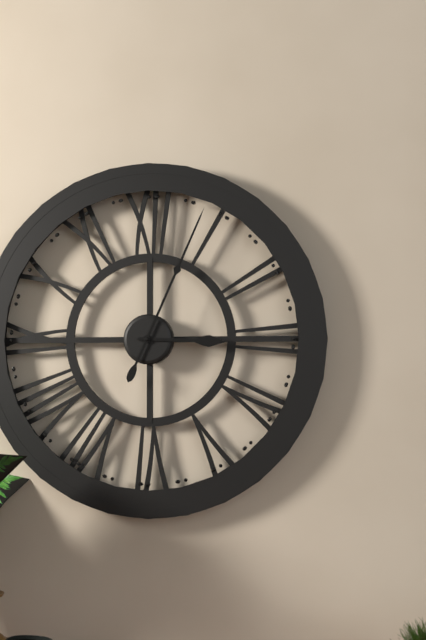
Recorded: 3,04
